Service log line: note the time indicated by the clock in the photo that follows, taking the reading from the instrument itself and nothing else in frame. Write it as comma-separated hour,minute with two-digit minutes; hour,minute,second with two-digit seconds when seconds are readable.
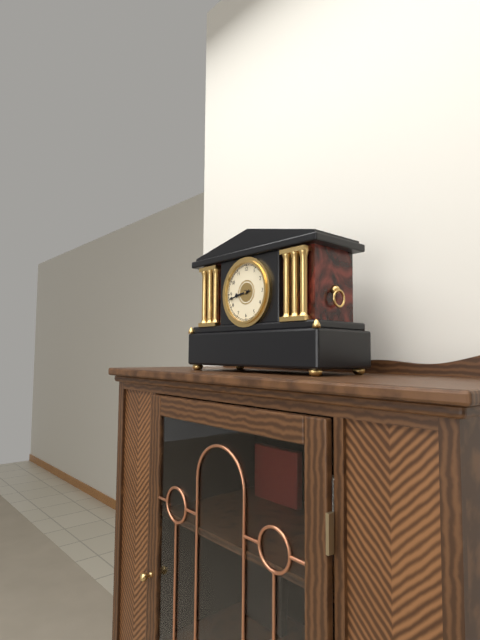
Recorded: 8,43
